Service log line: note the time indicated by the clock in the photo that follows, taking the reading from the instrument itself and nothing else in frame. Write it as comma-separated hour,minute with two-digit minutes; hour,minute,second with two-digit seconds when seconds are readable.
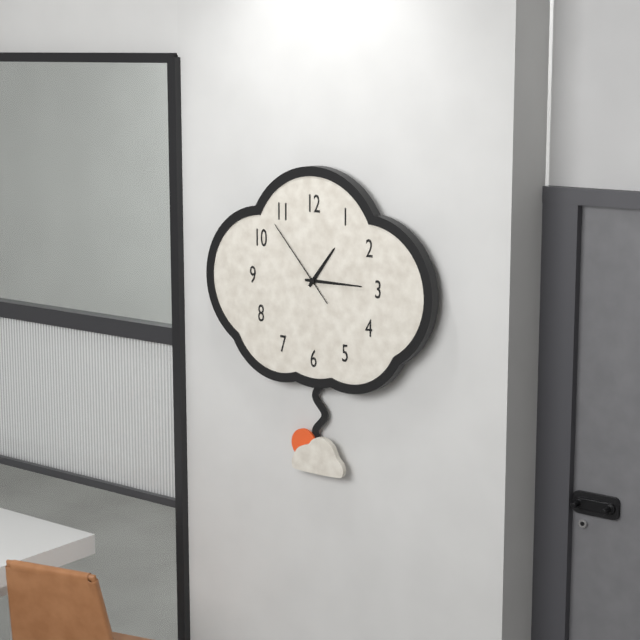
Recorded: 1,15,53
